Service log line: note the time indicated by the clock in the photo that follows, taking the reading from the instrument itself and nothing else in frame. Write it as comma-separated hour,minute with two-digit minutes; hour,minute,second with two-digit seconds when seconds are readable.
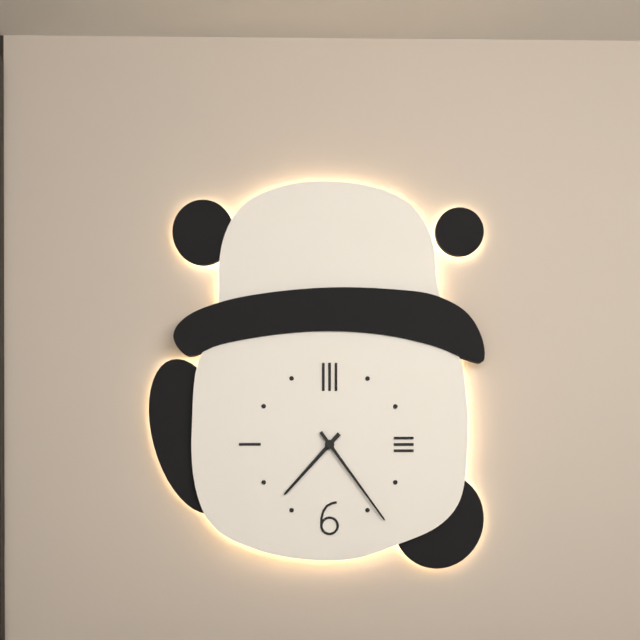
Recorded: 7,24
